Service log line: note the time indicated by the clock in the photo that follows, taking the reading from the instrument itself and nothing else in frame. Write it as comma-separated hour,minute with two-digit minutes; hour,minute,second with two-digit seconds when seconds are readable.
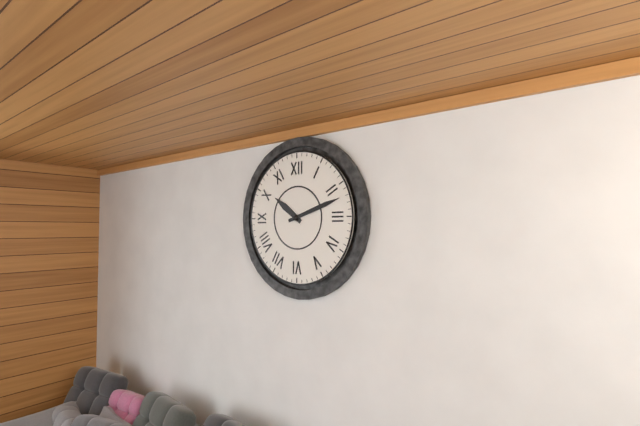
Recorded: 10,12
